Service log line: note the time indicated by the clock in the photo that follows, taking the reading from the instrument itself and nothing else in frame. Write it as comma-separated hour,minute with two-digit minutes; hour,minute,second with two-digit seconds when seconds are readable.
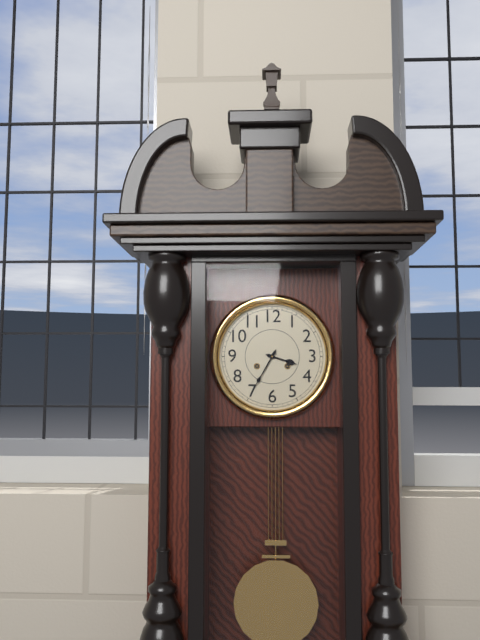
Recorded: 3,35
